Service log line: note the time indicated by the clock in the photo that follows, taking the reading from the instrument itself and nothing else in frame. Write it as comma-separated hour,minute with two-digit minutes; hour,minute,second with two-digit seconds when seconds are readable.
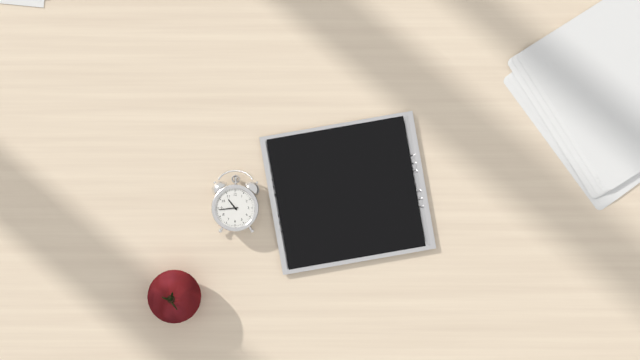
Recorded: 10,44
